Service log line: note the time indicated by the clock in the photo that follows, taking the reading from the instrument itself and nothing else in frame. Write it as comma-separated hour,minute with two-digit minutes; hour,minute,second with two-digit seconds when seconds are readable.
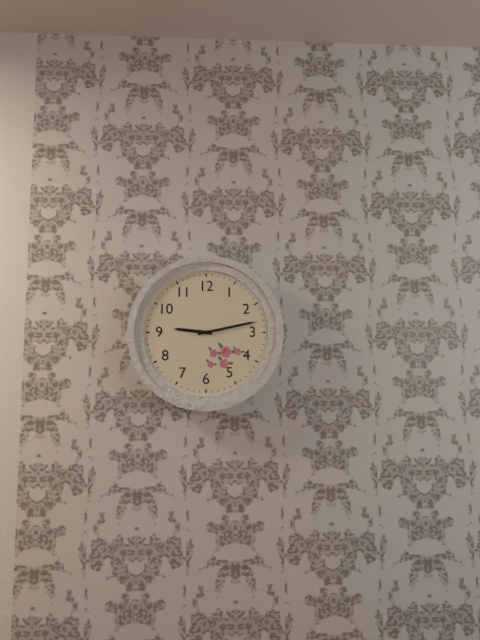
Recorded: 9,13
